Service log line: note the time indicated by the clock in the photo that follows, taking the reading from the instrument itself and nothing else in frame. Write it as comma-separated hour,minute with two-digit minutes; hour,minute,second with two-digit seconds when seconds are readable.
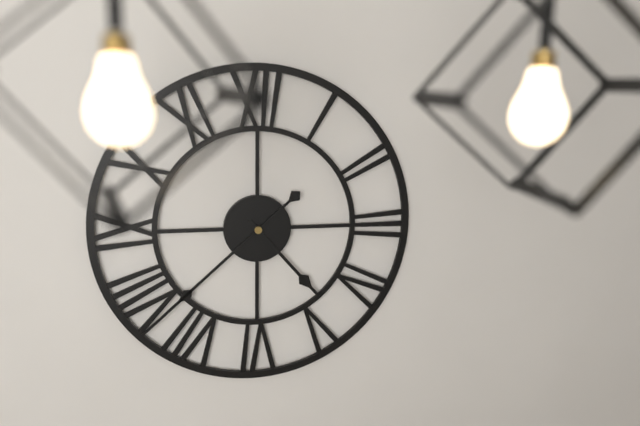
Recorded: 4,38
